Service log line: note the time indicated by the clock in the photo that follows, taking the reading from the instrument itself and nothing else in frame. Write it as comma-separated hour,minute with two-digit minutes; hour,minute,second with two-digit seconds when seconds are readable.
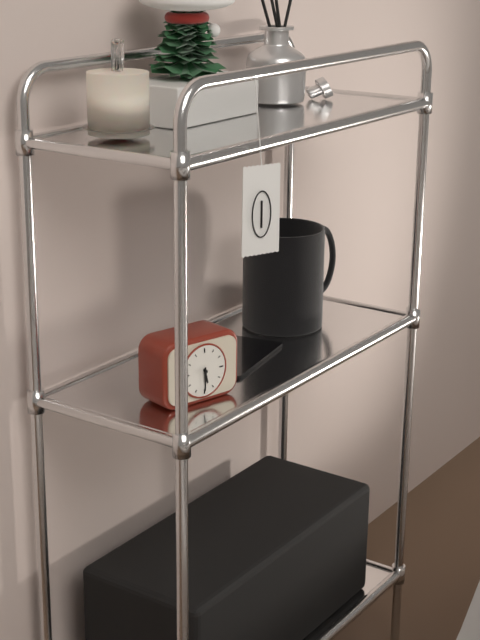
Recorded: 5,30
